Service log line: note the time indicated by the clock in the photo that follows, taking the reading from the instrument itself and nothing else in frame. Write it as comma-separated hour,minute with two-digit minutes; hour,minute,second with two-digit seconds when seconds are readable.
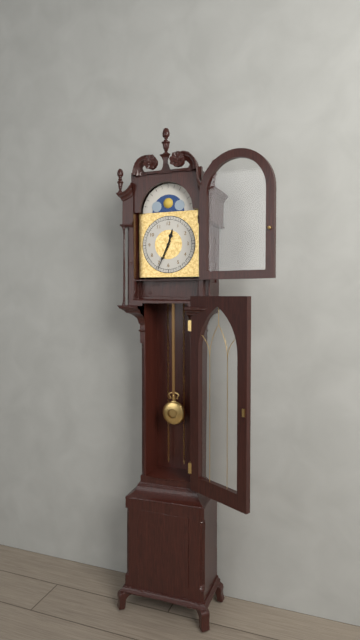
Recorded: 12,34
